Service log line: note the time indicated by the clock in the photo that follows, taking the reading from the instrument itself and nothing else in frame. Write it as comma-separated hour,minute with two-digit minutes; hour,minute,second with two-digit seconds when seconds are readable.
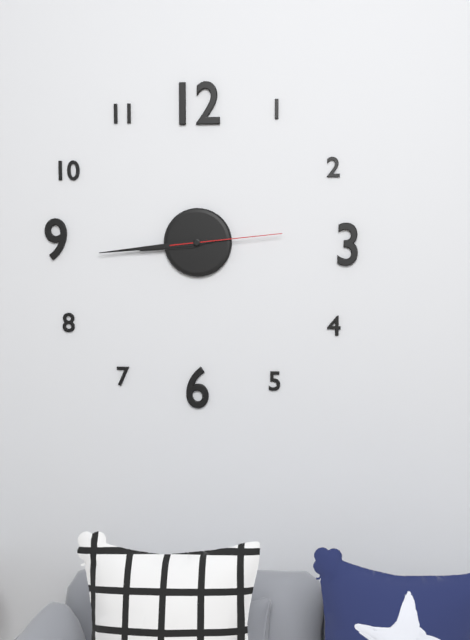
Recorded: 8,44,14
